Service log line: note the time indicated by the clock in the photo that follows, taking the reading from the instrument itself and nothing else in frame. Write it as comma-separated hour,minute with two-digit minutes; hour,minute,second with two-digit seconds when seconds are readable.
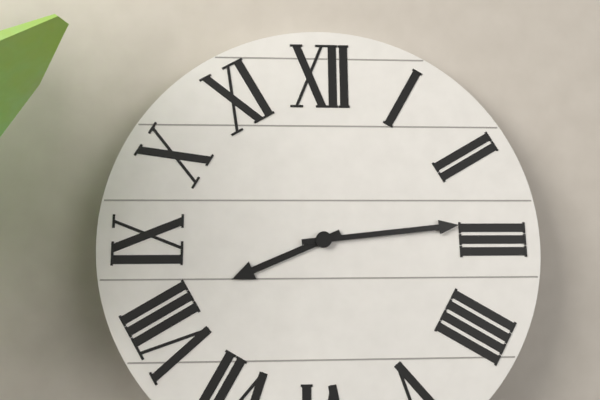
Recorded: 8,14
